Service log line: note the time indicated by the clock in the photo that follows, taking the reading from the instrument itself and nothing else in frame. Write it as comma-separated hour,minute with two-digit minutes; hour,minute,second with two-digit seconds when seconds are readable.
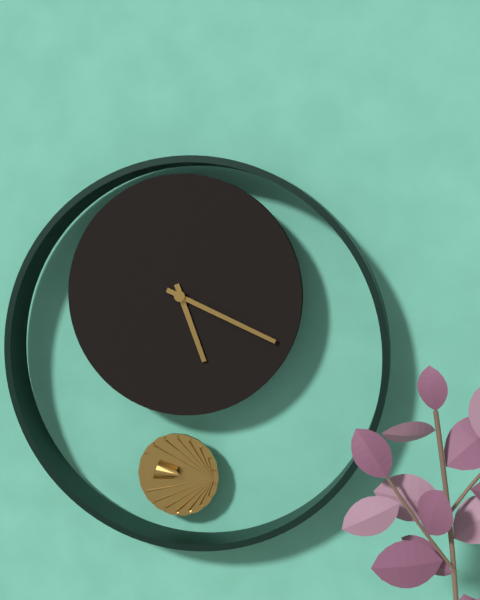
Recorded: 5,19
